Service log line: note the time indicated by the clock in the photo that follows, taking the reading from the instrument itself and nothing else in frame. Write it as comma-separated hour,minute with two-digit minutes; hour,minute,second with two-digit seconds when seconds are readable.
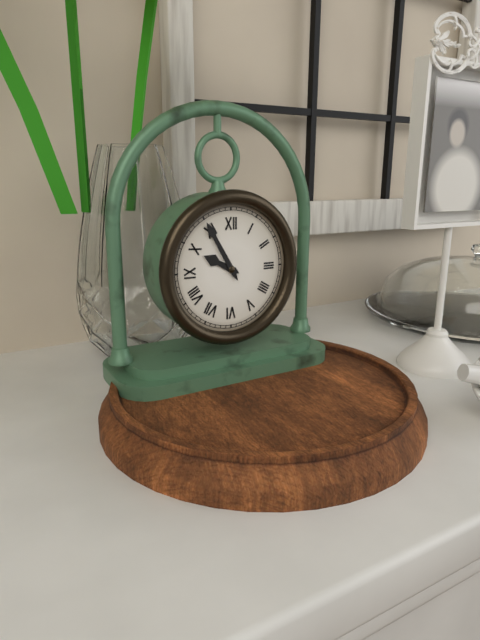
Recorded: 9,55
